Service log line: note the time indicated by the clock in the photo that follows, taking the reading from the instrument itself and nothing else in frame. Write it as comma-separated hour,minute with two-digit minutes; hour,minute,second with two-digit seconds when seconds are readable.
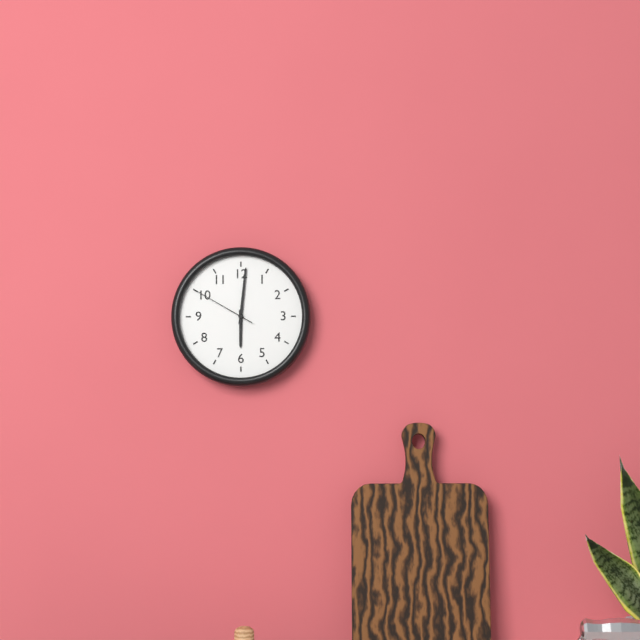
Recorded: 6,01,50
